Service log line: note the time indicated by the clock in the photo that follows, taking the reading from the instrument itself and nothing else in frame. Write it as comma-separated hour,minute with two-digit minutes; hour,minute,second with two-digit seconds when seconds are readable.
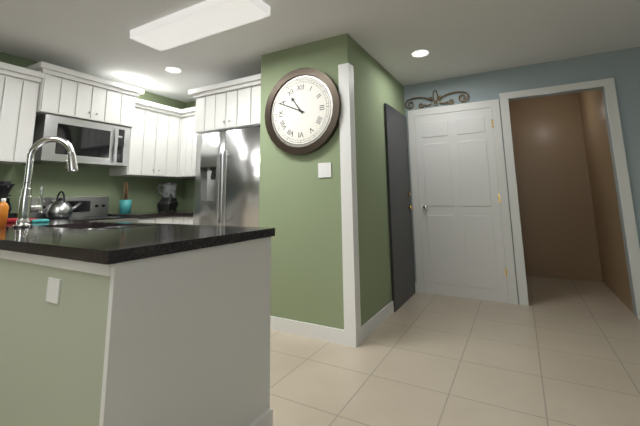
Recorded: 10,49
